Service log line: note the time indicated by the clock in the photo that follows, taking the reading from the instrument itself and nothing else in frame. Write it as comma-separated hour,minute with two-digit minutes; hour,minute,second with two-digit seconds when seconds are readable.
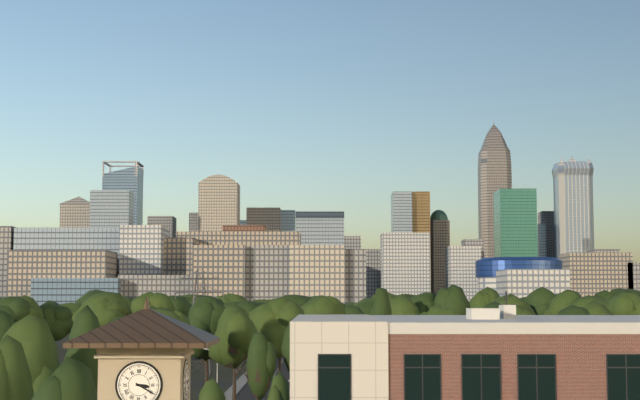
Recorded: 3,20
